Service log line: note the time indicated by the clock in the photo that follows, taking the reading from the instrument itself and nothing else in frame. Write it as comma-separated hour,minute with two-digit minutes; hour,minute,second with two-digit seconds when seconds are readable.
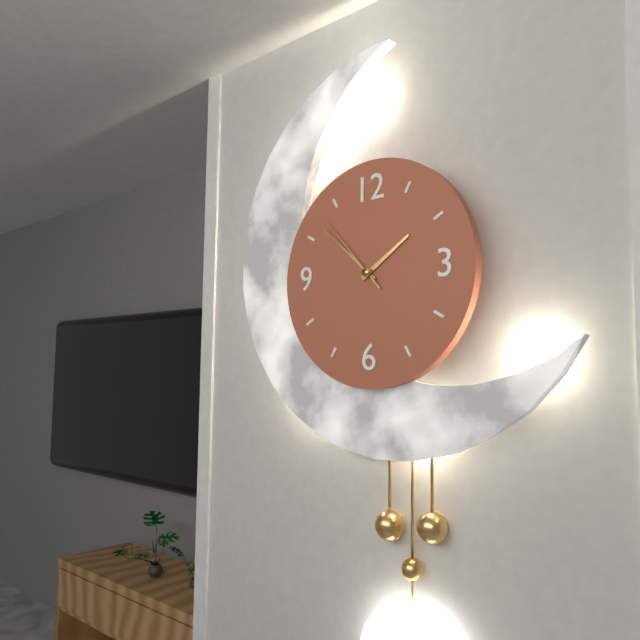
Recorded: 1,52,53
